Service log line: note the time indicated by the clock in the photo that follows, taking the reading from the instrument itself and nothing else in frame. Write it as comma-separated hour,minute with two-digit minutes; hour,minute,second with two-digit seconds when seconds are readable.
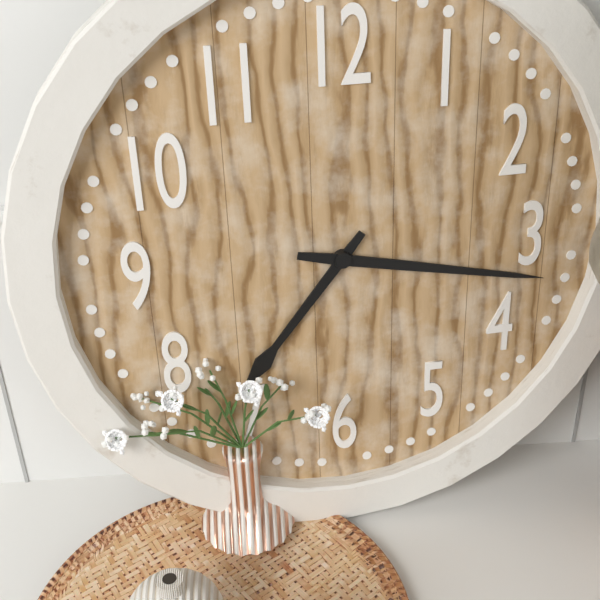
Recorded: 7,17
